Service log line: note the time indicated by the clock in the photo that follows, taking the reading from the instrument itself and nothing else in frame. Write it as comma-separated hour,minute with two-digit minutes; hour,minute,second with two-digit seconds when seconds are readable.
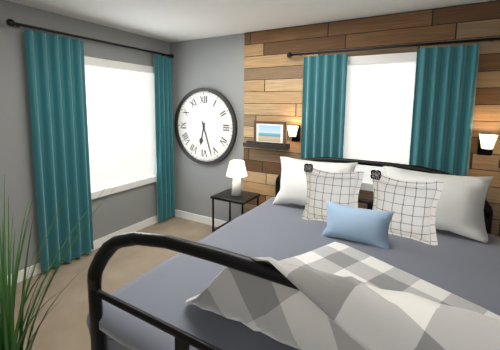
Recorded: 6,27
